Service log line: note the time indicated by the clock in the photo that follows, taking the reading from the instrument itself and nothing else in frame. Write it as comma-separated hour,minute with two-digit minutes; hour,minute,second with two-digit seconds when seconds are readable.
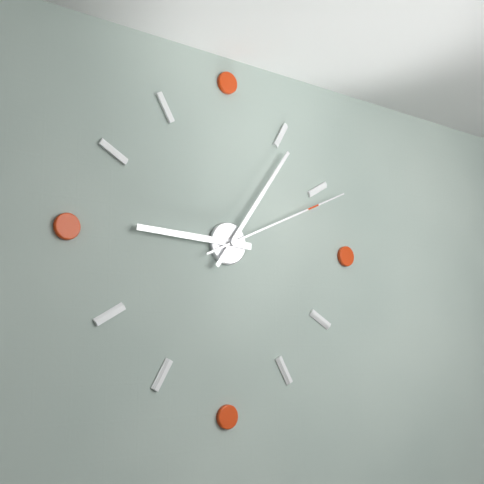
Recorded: 9,06,11
